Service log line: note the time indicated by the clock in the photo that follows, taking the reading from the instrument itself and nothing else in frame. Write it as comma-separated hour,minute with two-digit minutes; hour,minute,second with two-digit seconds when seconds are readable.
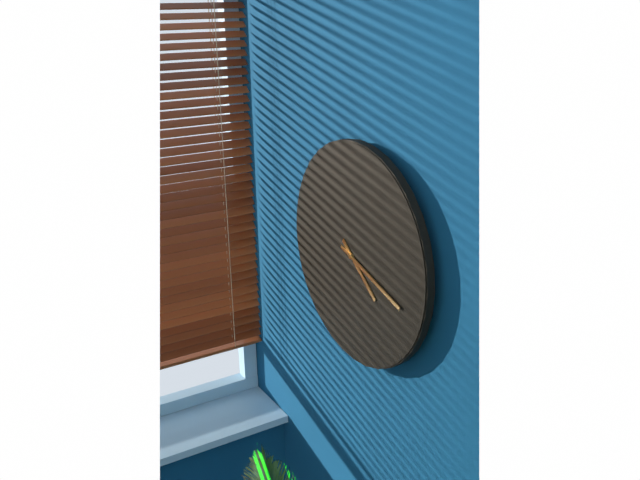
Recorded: 4,18
